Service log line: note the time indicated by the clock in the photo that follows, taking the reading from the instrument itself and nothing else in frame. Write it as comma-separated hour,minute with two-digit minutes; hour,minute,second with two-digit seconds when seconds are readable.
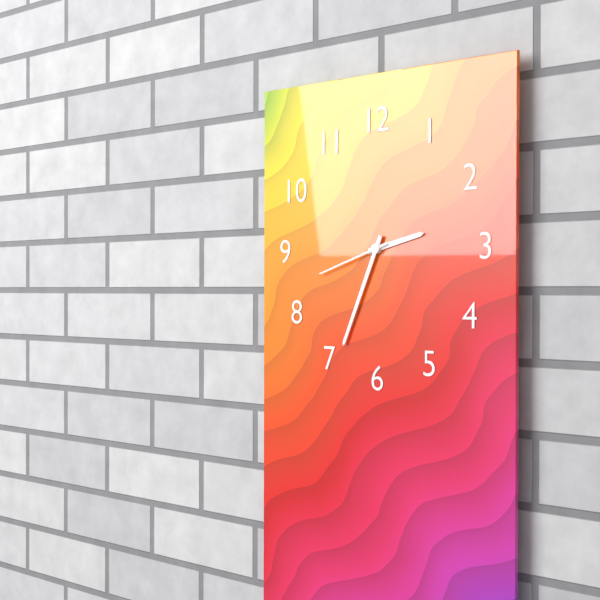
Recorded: 2,34,42
